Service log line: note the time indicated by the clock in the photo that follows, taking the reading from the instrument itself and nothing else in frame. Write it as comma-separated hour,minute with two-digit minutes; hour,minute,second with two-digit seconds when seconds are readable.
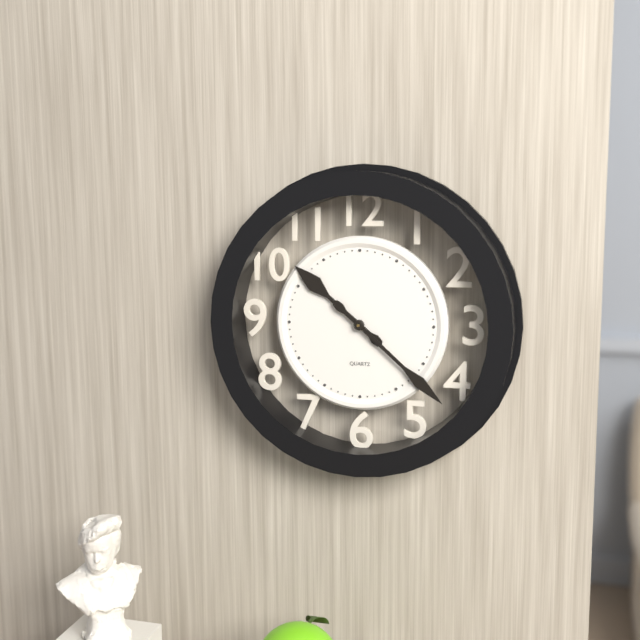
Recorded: 10,22
